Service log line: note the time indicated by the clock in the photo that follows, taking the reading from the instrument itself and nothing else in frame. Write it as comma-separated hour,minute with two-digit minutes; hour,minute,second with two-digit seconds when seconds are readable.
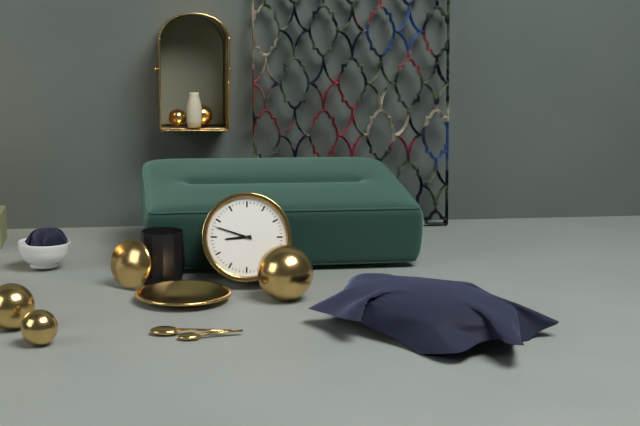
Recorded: 8,48
